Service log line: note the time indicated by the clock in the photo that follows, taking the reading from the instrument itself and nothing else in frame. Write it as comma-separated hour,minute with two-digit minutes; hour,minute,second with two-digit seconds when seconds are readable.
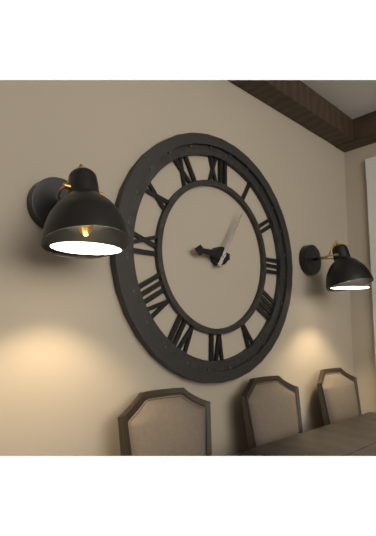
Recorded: 9,05
